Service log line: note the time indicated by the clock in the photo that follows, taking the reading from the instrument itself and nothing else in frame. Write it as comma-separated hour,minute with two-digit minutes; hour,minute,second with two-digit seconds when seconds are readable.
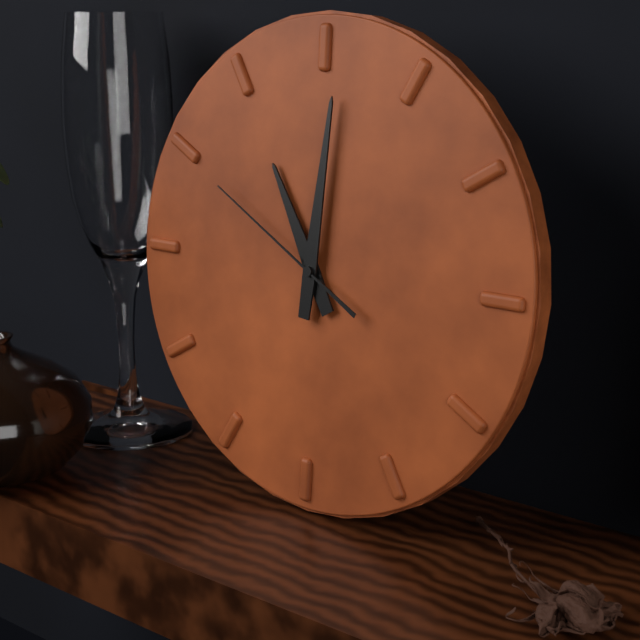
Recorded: 11,01,50
